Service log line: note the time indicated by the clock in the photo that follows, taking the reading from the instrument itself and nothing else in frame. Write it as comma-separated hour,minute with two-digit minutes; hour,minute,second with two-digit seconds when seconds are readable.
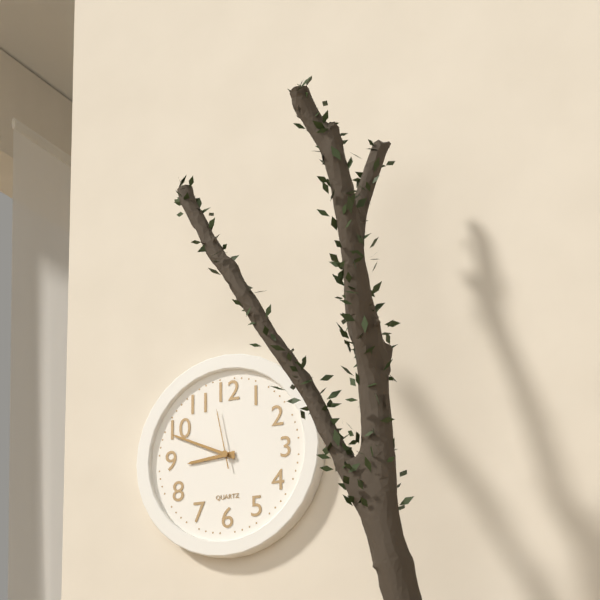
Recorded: 8,49,58
